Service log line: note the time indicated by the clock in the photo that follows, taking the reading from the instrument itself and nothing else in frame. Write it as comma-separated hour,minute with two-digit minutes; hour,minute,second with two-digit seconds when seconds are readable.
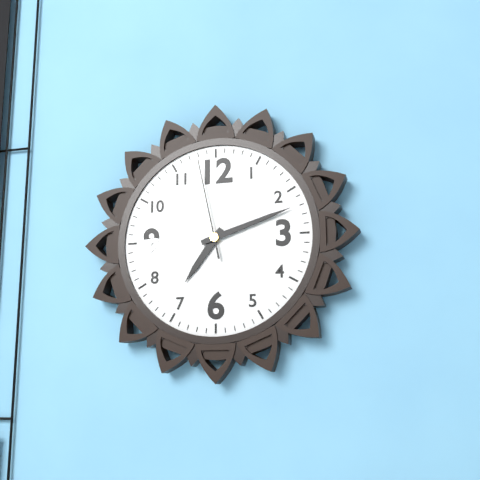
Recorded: 7,12,58
